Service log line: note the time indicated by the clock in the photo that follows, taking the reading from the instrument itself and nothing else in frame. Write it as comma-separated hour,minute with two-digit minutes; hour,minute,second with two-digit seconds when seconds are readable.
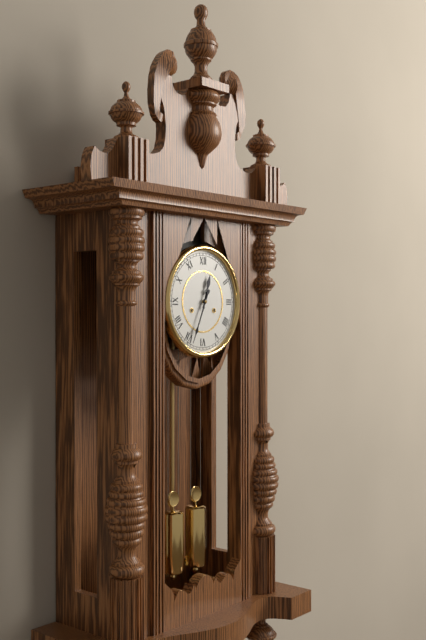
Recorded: 12,34
